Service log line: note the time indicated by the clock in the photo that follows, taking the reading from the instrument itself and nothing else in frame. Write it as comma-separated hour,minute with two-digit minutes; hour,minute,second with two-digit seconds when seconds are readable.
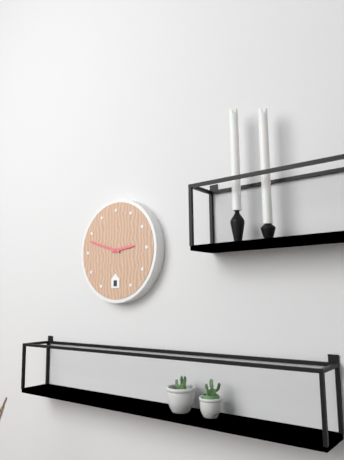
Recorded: 2,48
